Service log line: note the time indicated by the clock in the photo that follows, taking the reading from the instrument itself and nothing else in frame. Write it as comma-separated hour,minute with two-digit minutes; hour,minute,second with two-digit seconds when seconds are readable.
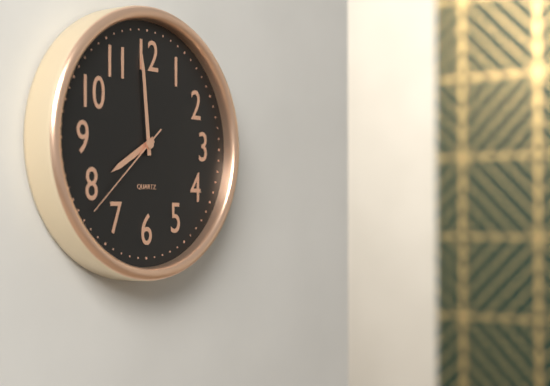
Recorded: 7,59,38
